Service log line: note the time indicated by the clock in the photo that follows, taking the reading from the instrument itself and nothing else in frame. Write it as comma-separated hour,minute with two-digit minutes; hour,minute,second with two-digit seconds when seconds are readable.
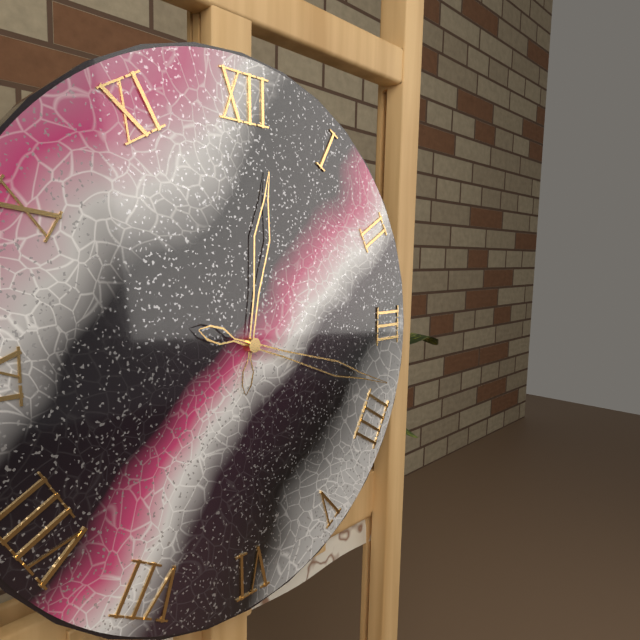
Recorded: 12,18
